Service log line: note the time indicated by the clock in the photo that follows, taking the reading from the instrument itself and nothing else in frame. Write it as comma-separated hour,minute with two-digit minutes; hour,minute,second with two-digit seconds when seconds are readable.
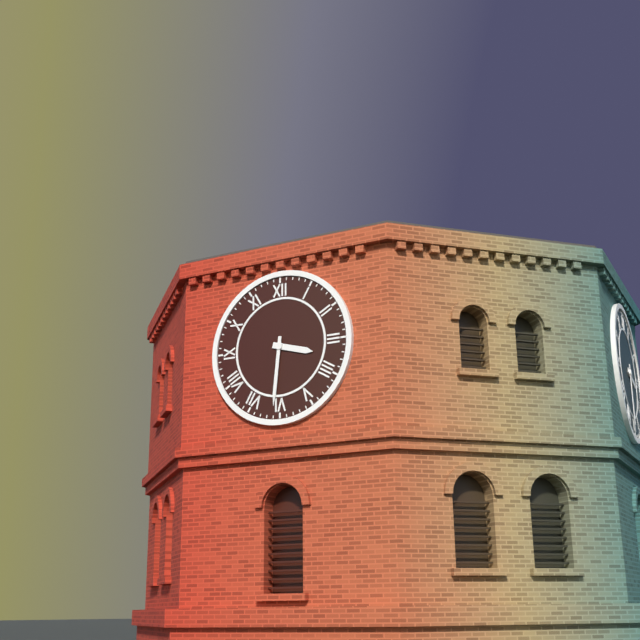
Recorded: 3,31
